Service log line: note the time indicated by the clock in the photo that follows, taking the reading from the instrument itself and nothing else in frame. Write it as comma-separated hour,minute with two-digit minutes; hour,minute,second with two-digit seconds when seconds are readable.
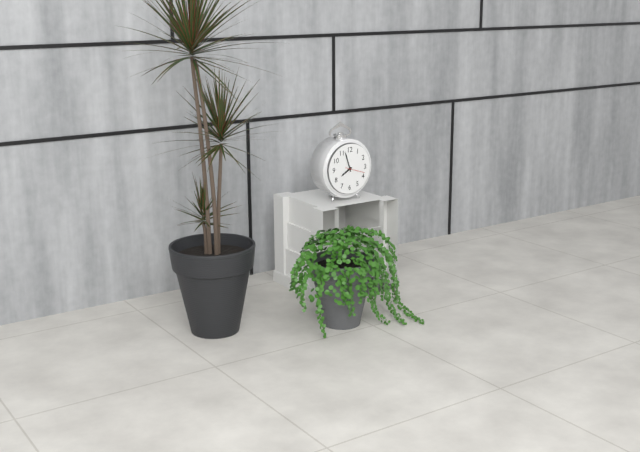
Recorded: 7,57
